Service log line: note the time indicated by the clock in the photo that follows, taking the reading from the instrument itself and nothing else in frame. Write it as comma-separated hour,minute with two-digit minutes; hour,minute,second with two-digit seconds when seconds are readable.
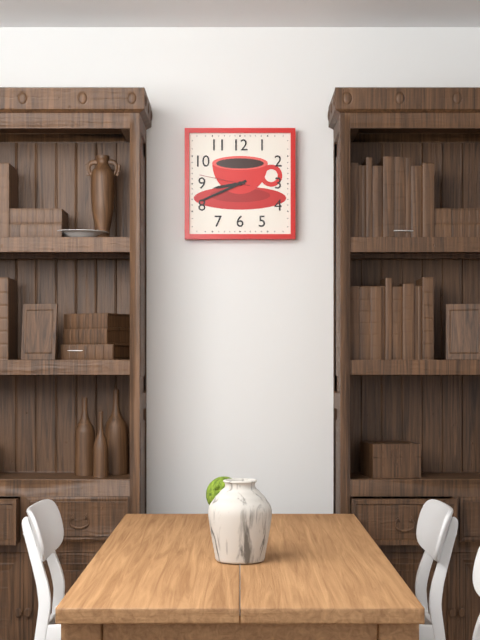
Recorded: 8,41,47
